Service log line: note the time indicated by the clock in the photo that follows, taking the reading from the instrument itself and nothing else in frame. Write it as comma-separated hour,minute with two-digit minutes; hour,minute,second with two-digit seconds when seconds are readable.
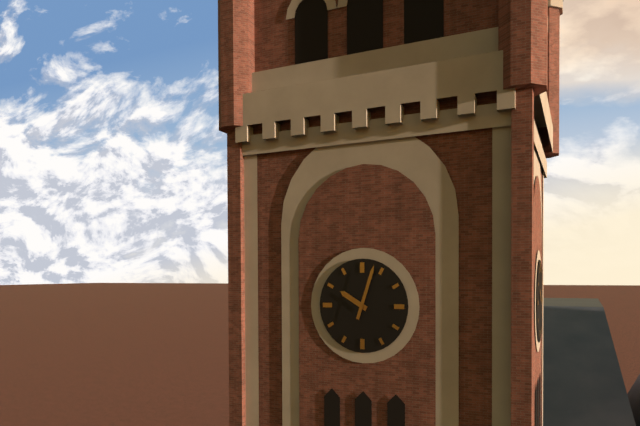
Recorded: 10,03
